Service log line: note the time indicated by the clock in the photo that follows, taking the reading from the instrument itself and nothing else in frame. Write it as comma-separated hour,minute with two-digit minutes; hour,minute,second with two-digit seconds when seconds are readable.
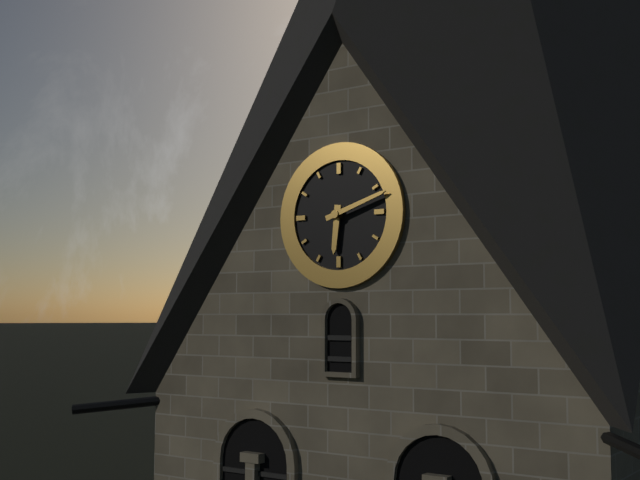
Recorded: 6,12
